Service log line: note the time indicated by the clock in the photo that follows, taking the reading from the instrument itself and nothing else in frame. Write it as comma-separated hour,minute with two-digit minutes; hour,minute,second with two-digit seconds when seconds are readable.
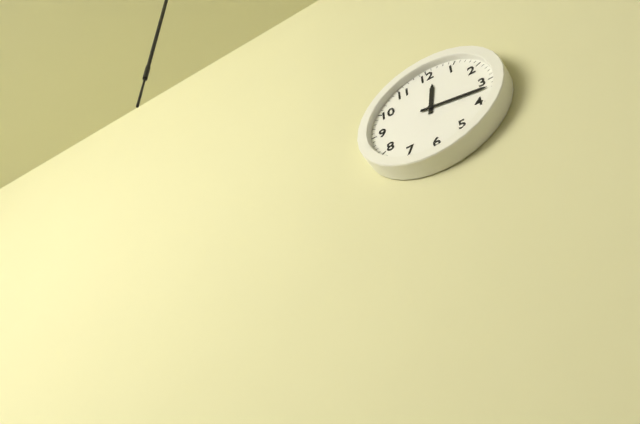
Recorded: 12,17
